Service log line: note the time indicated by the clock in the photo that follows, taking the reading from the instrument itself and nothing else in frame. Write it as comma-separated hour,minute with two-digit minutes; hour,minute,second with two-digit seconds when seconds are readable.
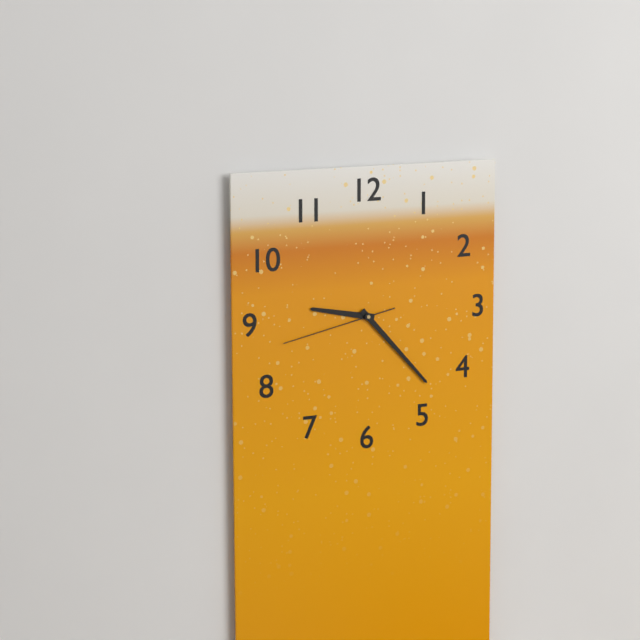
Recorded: 9,23,43
